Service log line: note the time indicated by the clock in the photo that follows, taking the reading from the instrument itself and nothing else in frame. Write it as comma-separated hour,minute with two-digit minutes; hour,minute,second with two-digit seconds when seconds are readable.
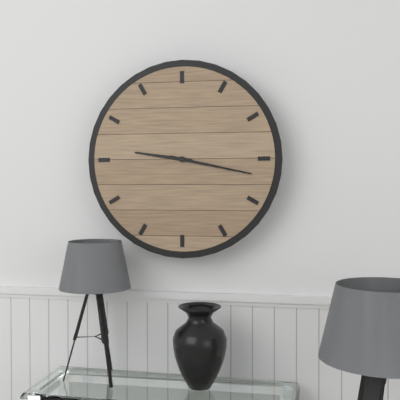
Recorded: 9,17
